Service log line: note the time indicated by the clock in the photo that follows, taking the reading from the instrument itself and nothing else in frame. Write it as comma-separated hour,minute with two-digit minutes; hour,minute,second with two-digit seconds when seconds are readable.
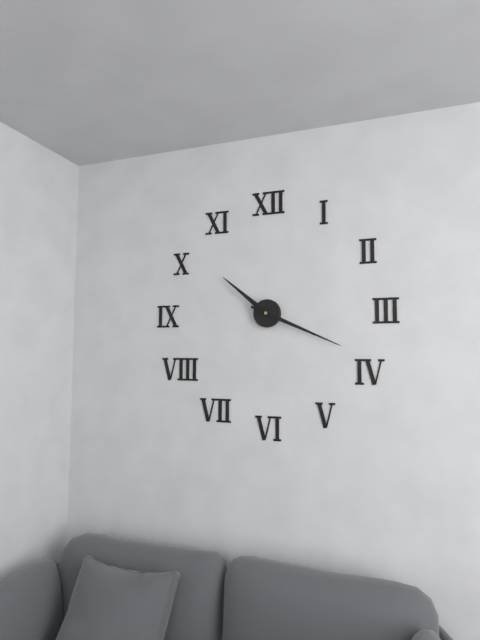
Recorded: 10,19
